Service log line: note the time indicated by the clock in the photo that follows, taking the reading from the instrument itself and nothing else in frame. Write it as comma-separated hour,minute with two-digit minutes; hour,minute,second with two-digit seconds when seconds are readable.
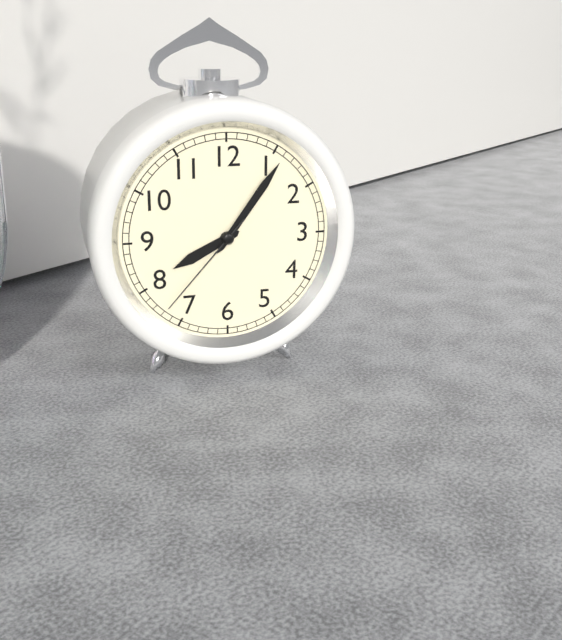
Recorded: 8,06,37
